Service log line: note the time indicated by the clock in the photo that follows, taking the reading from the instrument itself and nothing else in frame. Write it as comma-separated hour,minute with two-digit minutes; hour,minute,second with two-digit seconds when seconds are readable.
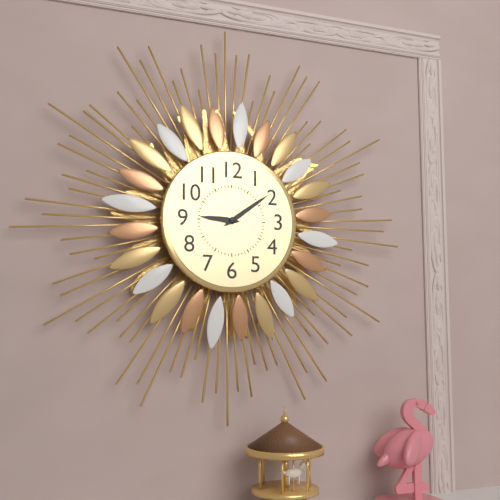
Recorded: 9,09
